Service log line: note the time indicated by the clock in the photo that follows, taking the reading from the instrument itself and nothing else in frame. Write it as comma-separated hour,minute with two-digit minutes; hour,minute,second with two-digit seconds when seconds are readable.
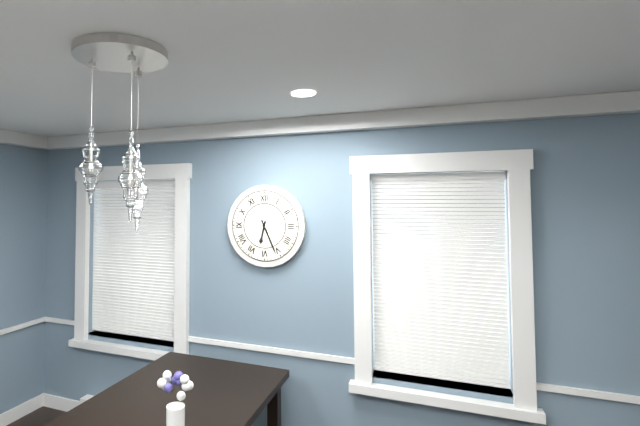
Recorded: 6,26
